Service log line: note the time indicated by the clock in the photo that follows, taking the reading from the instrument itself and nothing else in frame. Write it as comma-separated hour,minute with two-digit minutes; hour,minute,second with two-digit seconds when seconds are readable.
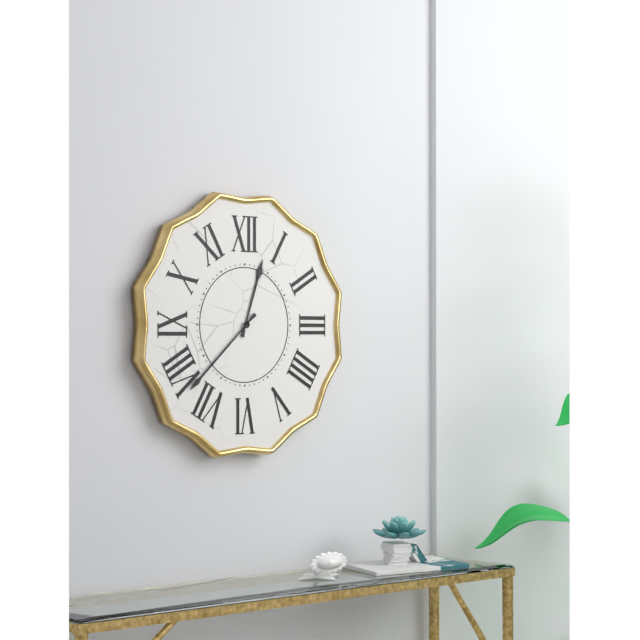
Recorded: 12,38
